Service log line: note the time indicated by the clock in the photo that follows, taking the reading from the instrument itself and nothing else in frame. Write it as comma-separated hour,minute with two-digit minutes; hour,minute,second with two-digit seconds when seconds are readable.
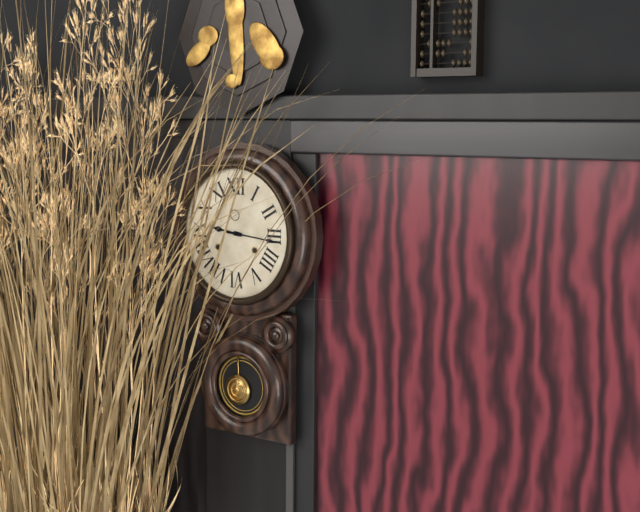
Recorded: 9,16
